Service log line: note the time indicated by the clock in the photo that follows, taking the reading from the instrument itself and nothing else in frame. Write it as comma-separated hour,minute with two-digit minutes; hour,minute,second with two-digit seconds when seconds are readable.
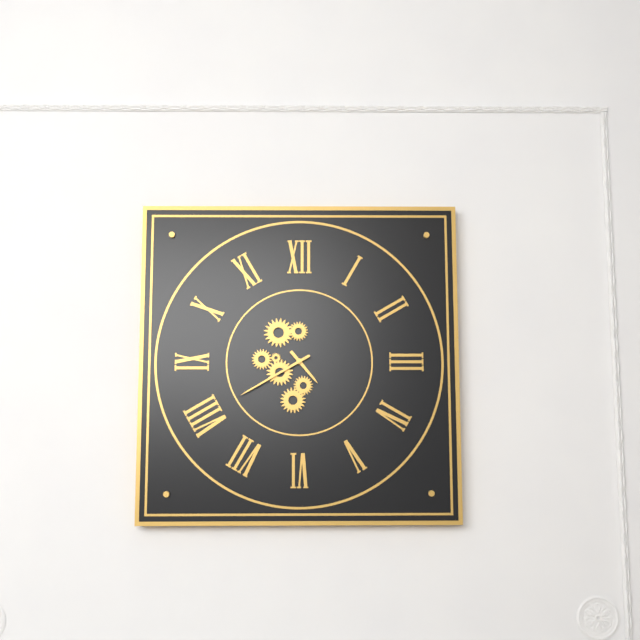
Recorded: 4,40
